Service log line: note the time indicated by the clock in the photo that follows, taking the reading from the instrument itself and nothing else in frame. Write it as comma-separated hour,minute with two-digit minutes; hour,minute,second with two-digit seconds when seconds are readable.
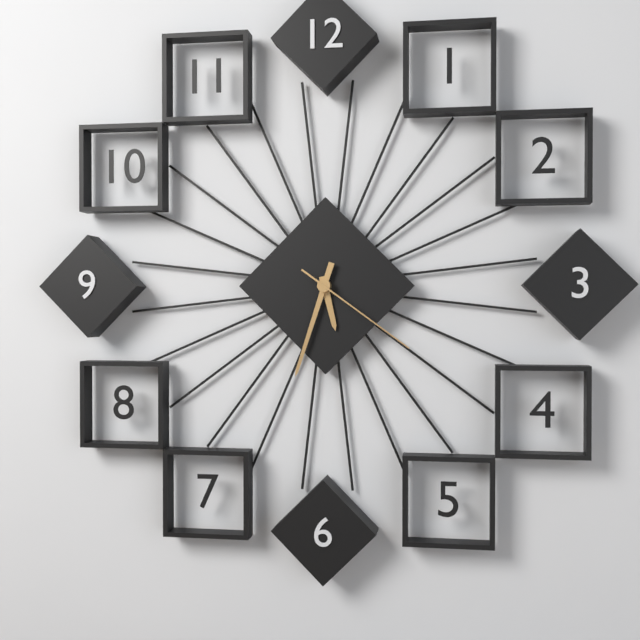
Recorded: 5,33,21
